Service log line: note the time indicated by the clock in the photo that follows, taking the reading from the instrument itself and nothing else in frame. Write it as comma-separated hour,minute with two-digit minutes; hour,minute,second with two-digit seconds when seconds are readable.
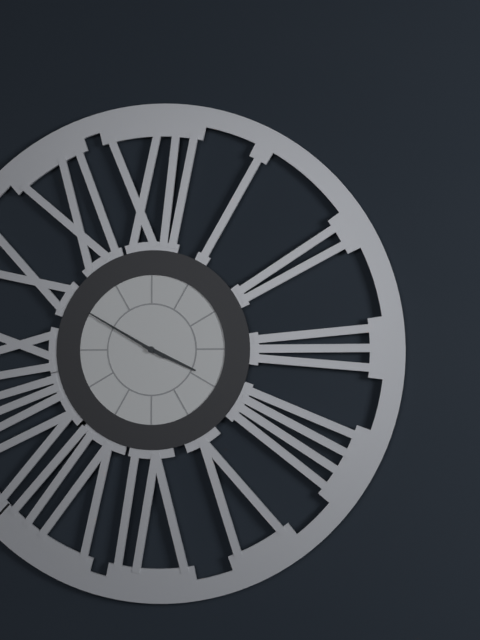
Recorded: 3,50
